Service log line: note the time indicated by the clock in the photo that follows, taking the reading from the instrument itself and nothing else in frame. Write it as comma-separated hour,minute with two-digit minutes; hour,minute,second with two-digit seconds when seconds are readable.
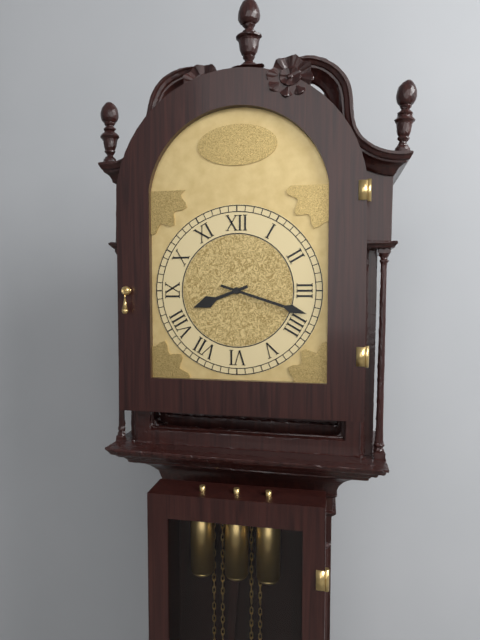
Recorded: 8,18
